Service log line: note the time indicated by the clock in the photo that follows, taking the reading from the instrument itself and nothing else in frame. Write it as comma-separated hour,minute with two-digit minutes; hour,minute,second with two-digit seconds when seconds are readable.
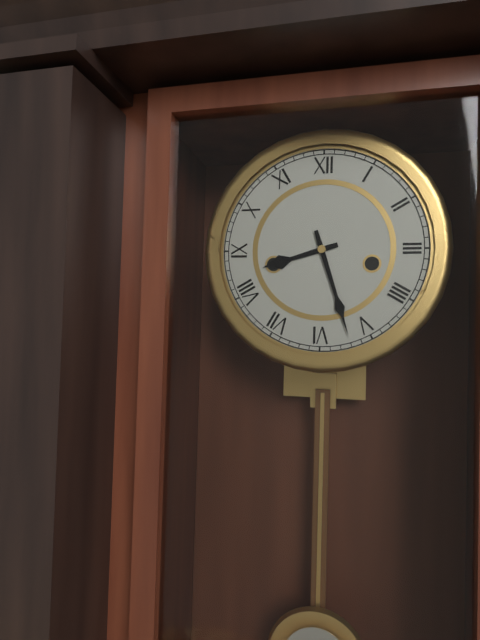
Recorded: 8,27
